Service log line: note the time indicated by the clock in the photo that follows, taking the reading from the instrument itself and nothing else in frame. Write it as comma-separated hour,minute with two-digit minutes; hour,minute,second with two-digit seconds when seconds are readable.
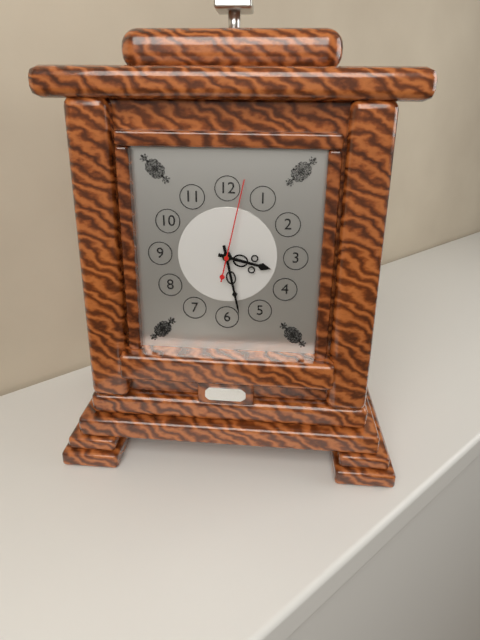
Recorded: 3,28,02
